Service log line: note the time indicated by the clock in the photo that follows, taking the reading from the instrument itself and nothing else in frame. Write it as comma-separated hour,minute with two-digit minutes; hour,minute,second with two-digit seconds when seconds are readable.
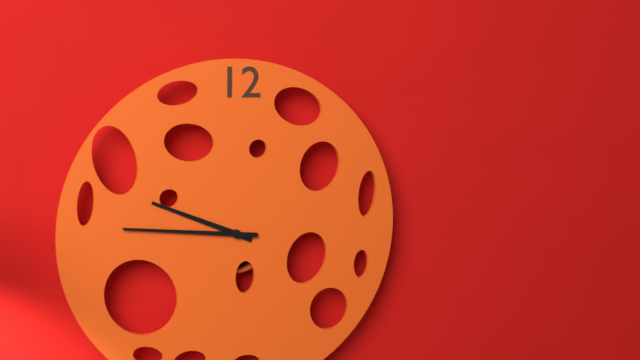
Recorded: 9,46
